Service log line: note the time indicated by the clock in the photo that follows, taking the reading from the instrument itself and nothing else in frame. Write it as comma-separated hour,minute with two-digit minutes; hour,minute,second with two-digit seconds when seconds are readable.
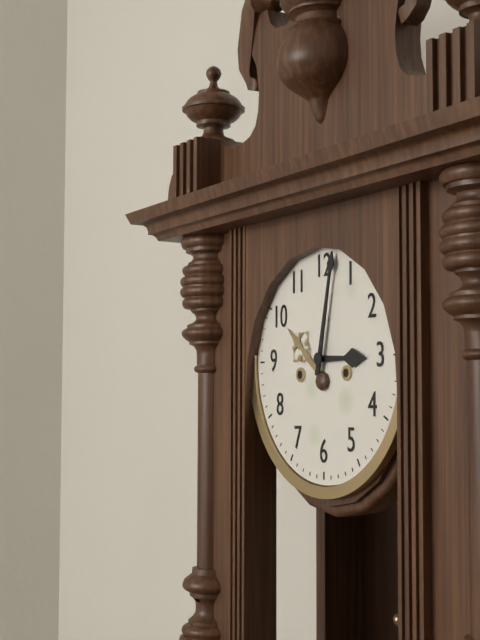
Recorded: 3,02
